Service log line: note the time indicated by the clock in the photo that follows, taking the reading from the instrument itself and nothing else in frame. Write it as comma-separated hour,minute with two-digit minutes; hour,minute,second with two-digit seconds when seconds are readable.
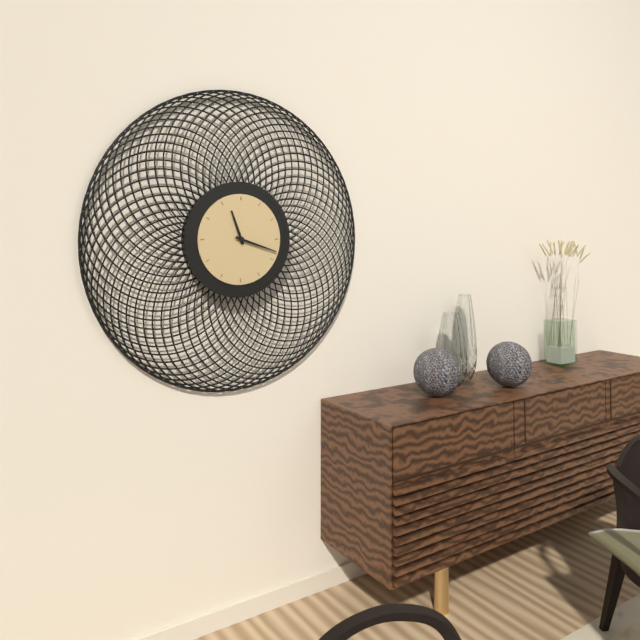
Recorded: 11,18
